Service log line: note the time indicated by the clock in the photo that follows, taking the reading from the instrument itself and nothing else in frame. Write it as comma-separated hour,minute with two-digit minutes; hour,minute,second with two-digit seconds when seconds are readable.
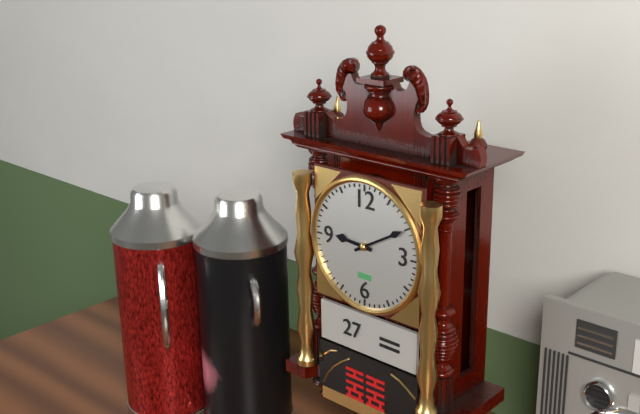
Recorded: 9,10
